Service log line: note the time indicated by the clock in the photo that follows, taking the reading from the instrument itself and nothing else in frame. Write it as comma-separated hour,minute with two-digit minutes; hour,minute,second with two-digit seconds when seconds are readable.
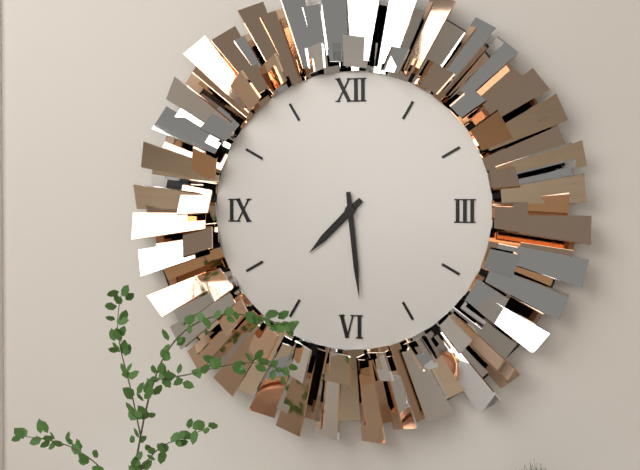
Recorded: 7,29
